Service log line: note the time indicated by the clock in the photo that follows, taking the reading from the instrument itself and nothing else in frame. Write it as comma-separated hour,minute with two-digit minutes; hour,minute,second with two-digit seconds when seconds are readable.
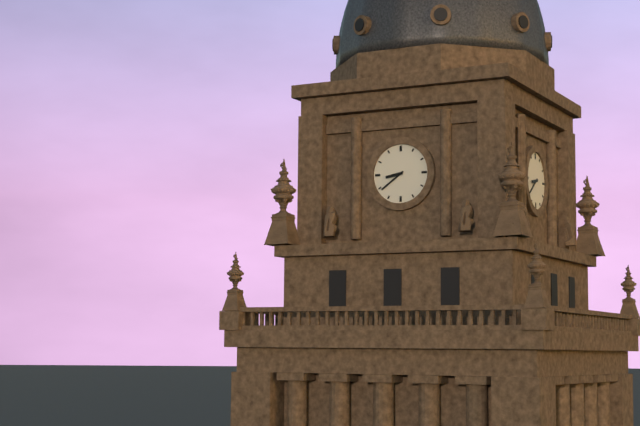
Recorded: 8,39
